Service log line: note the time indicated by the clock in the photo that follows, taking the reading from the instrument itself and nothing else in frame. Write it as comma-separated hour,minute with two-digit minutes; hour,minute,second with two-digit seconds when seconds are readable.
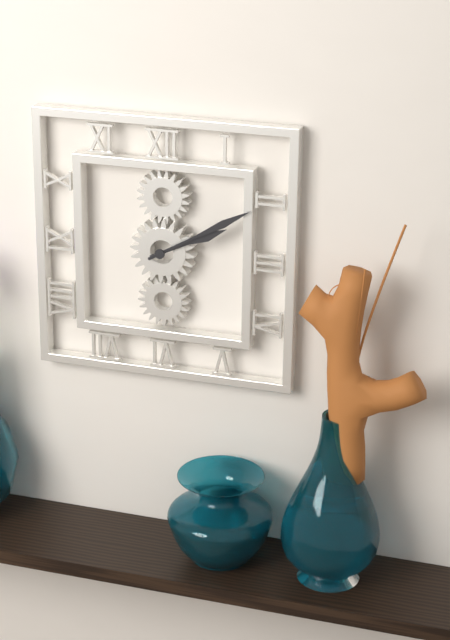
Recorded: 2,10
